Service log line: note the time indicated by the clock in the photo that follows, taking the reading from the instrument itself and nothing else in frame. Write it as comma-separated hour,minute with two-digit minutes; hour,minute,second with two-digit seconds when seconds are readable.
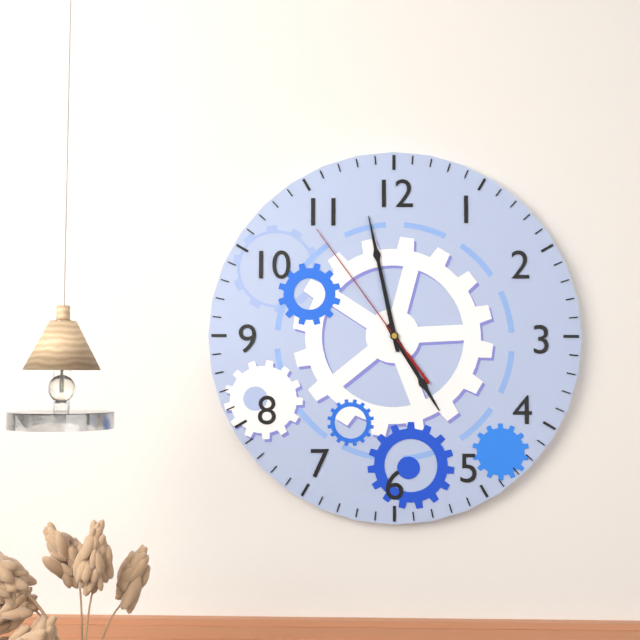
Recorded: 4,58,54
